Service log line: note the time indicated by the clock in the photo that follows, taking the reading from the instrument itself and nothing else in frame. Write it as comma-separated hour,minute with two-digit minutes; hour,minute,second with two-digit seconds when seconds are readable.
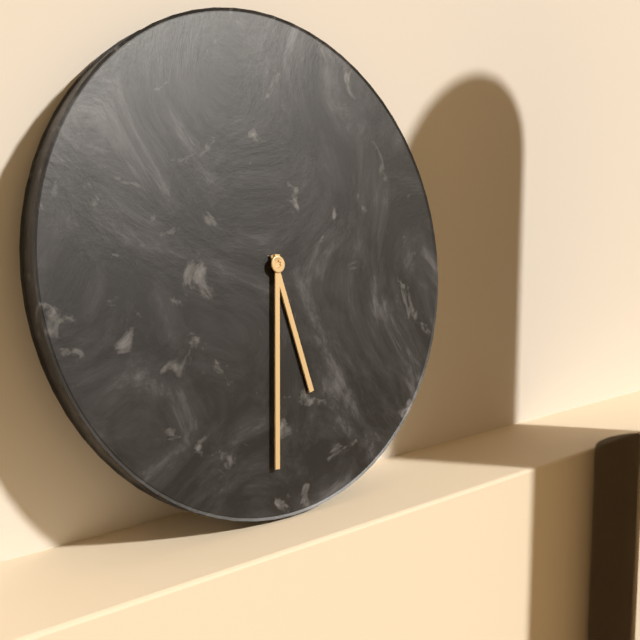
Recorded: 5,31
